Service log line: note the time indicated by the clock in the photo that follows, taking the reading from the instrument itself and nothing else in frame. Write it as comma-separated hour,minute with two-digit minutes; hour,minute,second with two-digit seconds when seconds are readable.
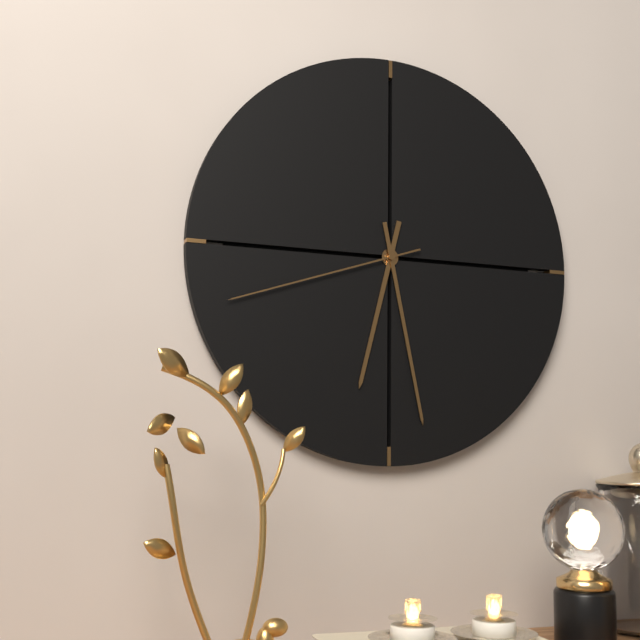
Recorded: 6,28,42
